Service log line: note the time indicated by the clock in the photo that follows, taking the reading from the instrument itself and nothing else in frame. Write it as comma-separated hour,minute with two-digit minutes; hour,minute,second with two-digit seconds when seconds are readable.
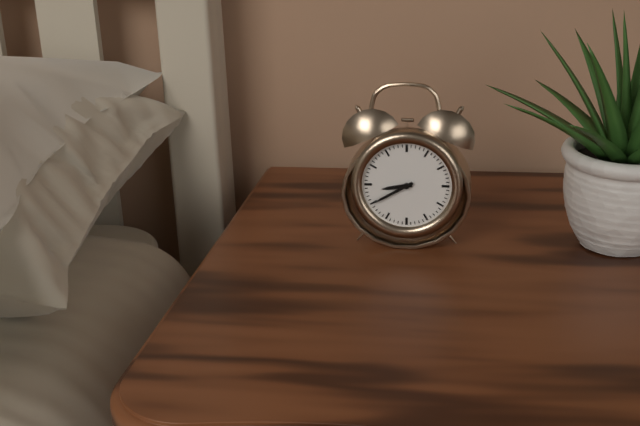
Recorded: 8,40
